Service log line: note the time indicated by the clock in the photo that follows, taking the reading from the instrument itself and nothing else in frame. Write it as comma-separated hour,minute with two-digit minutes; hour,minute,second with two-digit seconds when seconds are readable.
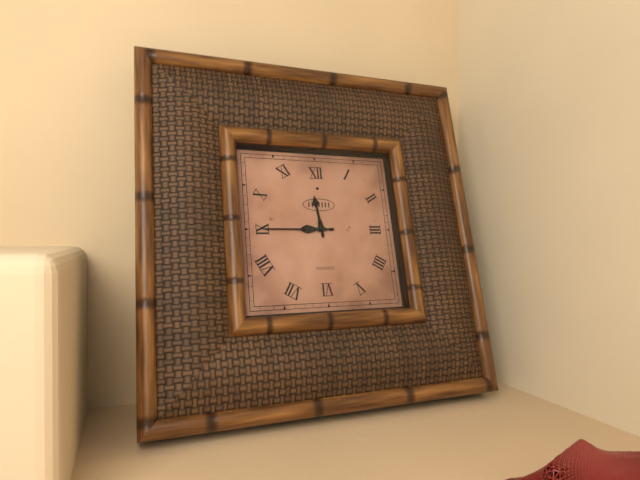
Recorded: 11,45
